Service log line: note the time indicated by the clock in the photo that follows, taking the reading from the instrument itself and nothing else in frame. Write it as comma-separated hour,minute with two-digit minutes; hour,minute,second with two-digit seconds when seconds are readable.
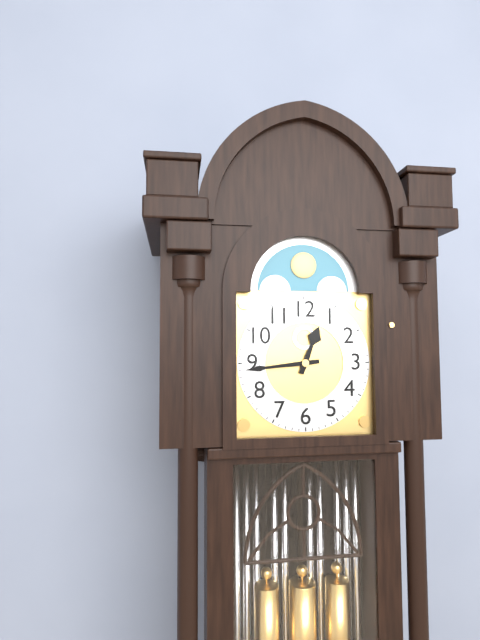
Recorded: 12,44
